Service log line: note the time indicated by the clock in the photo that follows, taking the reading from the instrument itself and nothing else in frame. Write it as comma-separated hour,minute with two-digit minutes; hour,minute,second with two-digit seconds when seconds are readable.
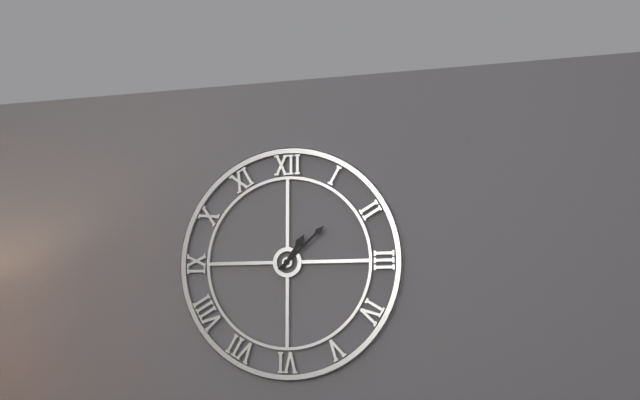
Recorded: 1,08
